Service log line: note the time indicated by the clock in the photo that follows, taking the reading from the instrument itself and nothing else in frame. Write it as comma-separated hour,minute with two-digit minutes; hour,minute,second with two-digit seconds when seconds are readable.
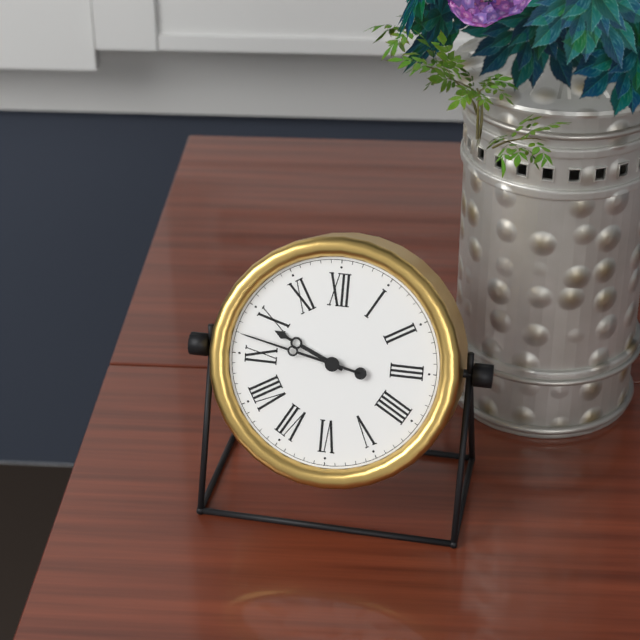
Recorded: 9,47
